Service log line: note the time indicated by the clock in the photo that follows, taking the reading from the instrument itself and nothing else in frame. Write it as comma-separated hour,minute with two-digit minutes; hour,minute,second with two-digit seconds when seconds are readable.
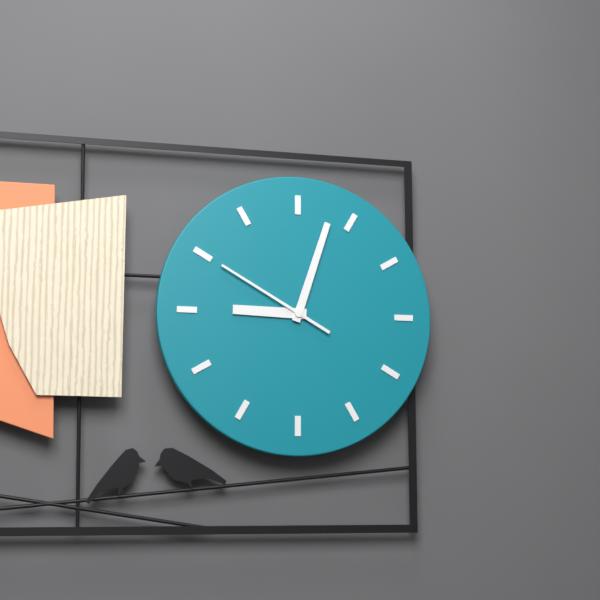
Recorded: 9,03,50
